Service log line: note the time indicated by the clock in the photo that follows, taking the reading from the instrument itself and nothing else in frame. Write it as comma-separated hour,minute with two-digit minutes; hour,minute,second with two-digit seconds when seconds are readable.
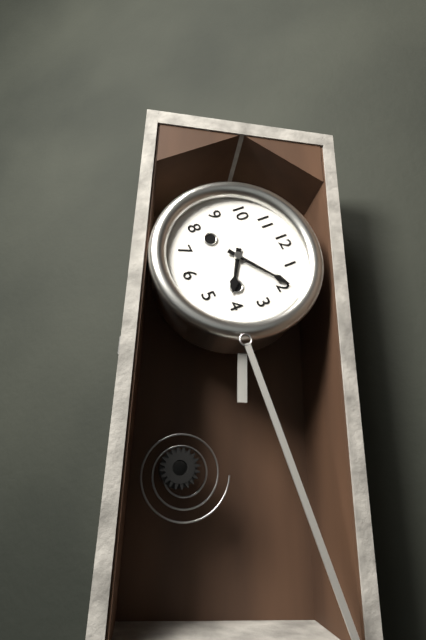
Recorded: 4,09
